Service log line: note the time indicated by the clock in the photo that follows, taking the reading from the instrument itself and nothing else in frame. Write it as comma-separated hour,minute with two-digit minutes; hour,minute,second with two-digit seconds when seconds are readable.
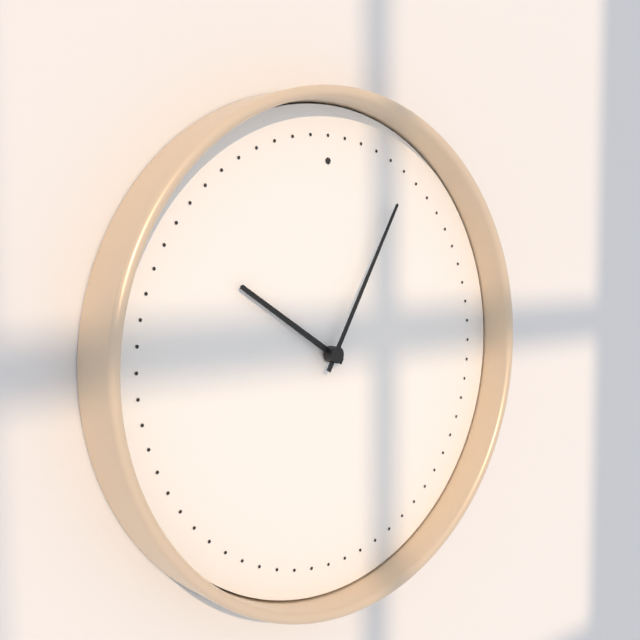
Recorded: 10,05
